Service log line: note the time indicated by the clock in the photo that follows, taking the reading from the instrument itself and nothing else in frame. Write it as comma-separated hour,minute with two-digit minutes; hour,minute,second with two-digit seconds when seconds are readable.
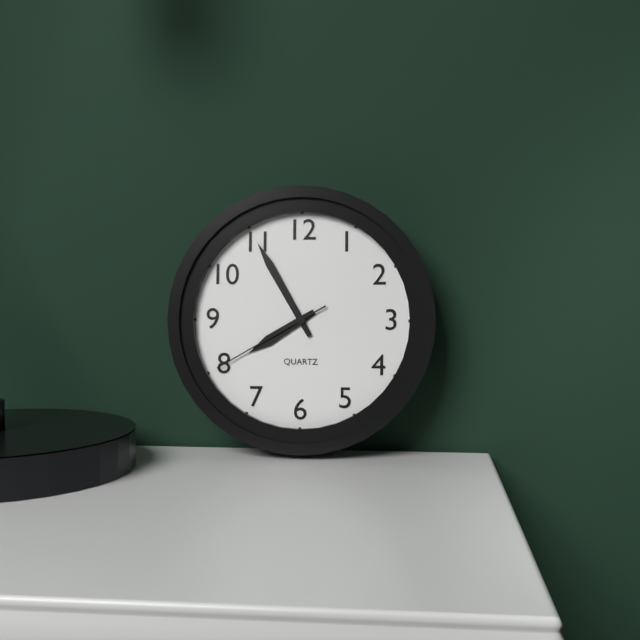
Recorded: 7,55,40
